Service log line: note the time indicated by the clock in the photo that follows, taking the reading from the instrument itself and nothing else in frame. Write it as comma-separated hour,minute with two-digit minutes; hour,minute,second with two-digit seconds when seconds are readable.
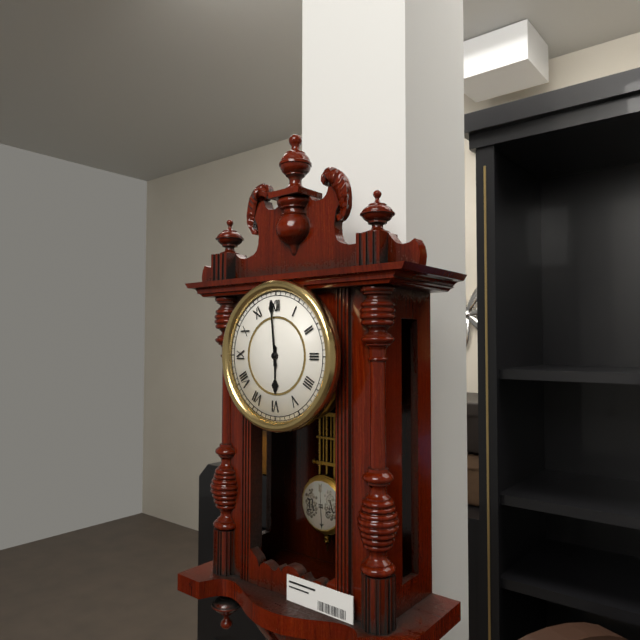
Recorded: 5,59
